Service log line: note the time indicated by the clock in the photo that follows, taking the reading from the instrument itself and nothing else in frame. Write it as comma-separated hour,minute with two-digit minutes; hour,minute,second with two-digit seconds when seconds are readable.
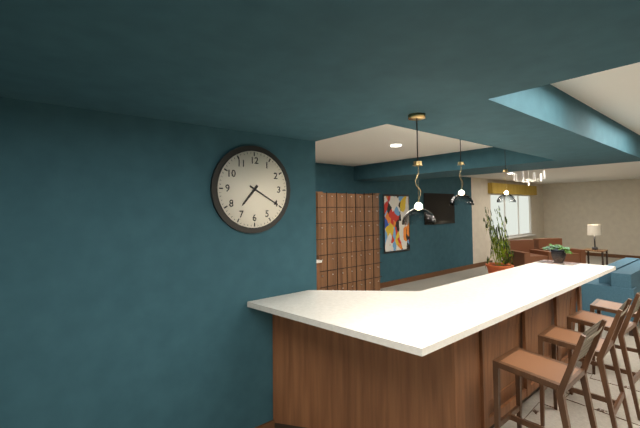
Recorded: 7,20
